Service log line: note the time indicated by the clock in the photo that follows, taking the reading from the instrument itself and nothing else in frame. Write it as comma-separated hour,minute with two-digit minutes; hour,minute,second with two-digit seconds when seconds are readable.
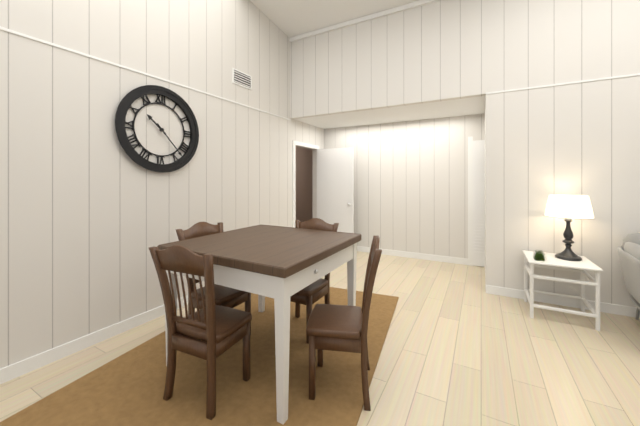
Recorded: 10,23
